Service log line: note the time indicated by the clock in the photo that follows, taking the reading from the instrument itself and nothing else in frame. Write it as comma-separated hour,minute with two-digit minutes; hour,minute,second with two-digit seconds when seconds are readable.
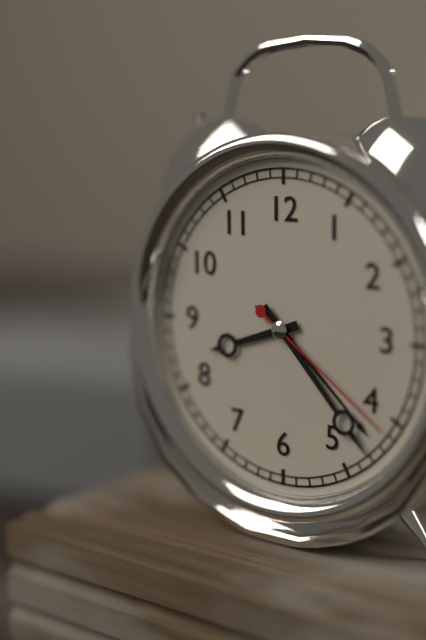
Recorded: 8,23,21
